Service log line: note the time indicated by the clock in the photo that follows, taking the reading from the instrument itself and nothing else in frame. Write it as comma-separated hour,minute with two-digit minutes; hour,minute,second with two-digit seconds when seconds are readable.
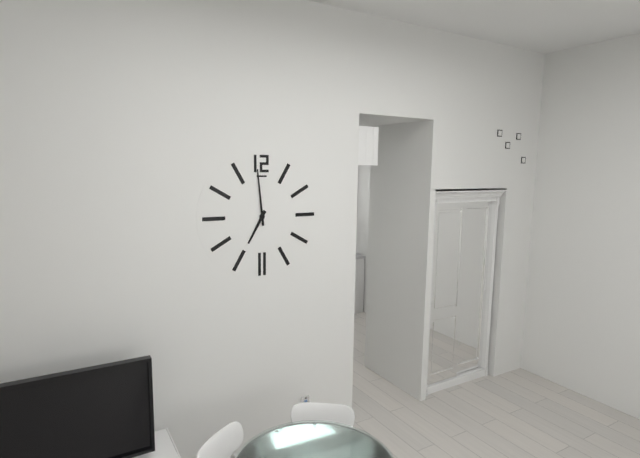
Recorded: 6,59
